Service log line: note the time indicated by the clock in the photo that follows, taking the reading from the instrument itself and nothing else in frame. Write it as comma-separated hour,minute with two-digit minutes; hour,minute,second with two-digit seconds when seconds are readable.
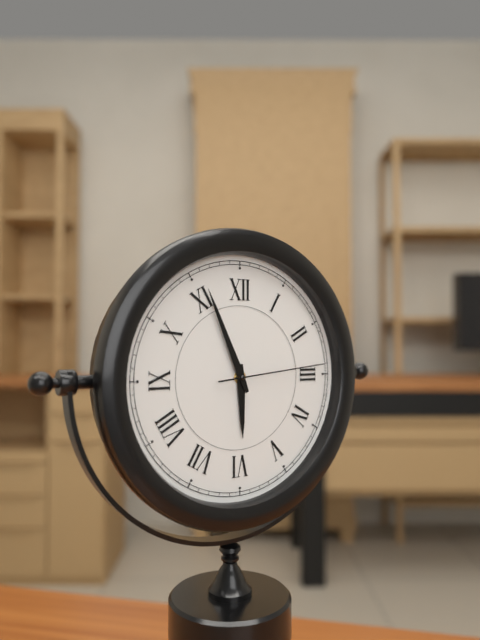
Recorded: 5,56,14
